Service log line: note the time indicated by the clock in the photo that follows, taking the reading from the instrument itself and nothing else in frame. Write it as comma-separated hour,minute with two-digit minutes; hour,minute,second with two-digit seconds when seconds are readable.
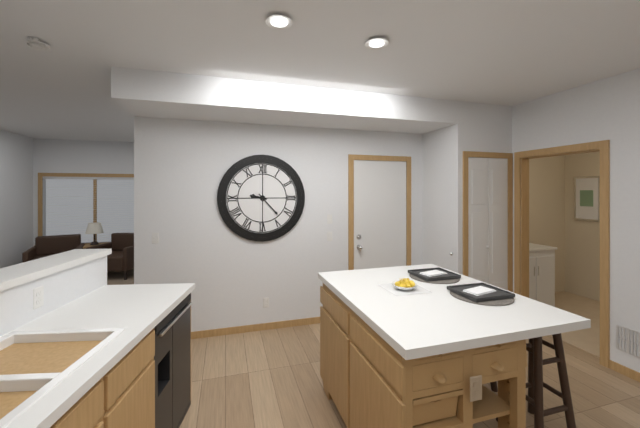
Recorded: 9,23
